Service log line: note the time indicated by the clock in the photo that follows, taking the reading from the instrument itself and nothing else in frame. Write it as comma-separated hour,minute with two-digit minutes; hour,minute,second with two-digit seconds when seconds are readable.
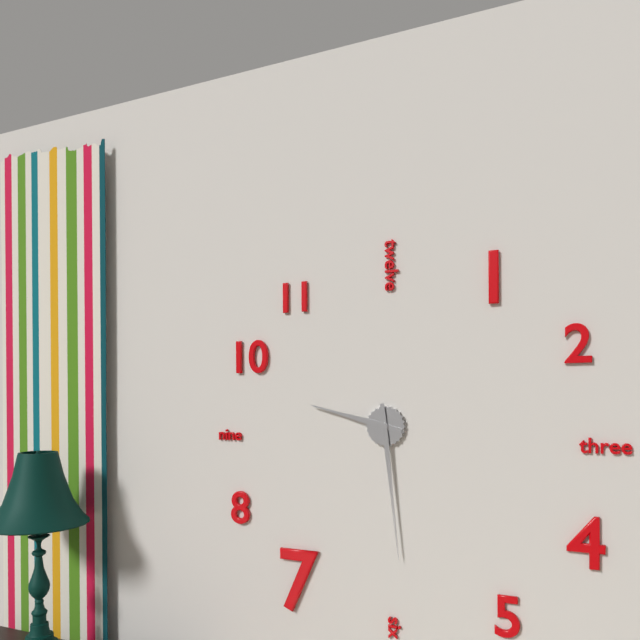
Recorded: 9,29
